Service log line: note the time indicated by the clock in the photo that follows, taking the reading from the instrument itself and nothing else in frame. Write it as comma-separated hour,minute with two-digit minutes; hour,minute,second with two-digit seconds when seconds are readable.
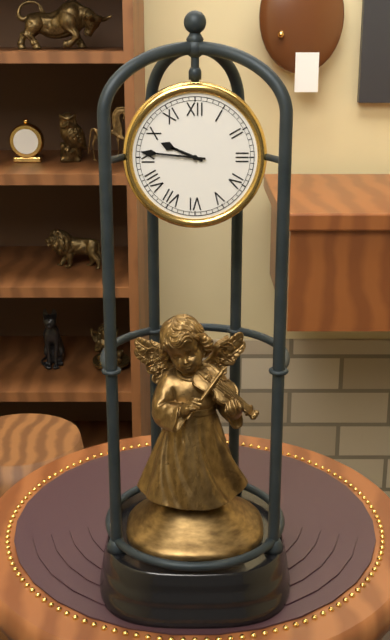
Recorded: 9,46
